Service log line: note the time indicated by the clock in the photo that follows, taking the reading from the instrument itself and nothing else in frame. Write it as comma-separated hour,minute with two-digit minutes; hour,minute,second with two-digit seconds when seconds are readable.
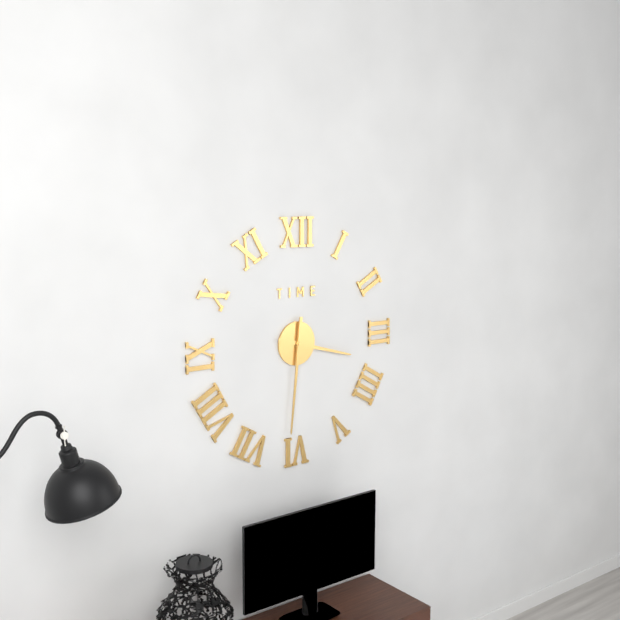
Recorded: 3,31
